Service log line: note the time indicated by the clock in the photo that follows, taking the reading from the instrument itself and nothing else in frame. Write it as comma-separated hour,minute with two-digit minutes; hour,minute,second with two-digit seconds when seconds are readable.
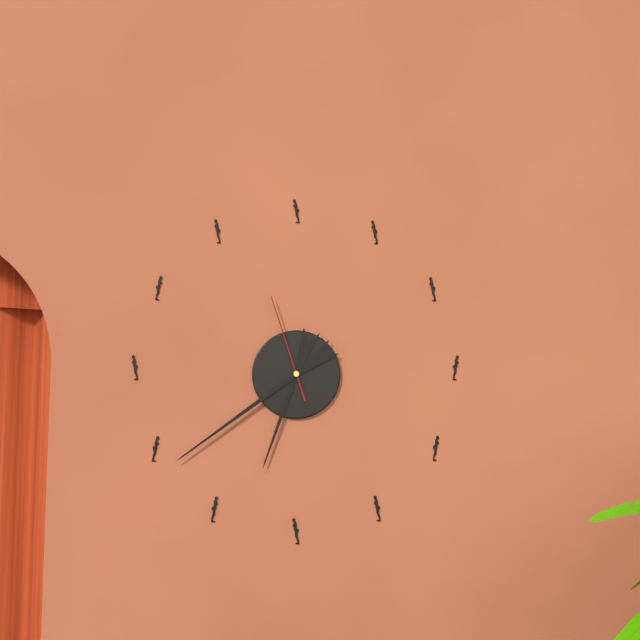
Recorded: 6,39,57
